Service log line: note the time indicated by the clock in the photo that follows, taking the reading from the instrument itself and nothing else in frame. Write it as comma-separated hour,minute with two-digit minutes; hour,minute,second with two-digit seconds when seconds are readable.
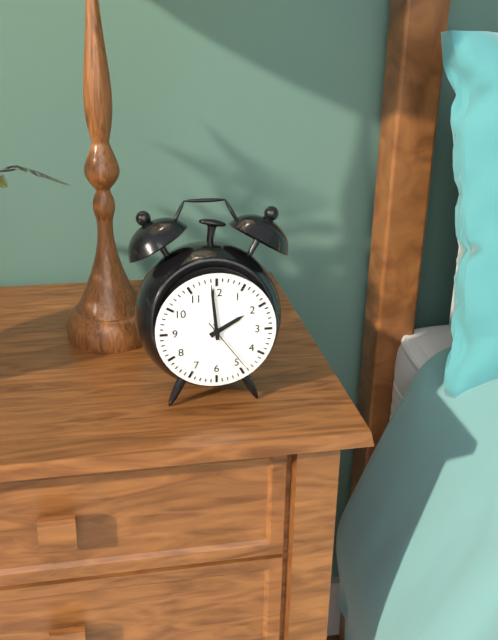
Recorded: 1,59,24
